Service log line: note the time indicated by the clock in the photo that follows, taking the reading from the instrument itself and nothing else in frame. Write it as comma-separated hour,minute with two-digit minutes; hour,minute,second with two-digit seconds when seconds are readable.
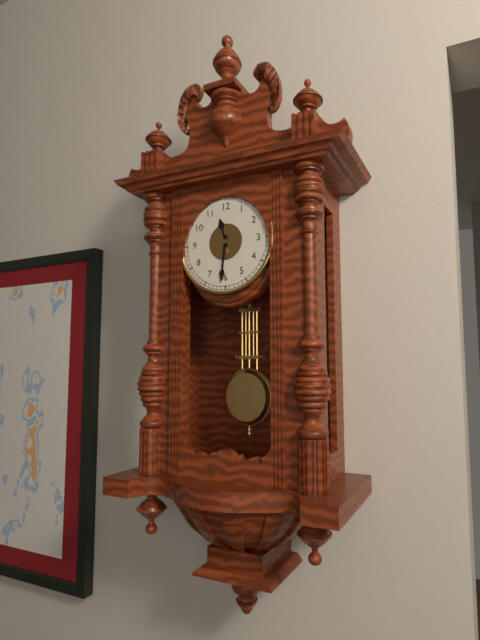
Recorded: 11,31
